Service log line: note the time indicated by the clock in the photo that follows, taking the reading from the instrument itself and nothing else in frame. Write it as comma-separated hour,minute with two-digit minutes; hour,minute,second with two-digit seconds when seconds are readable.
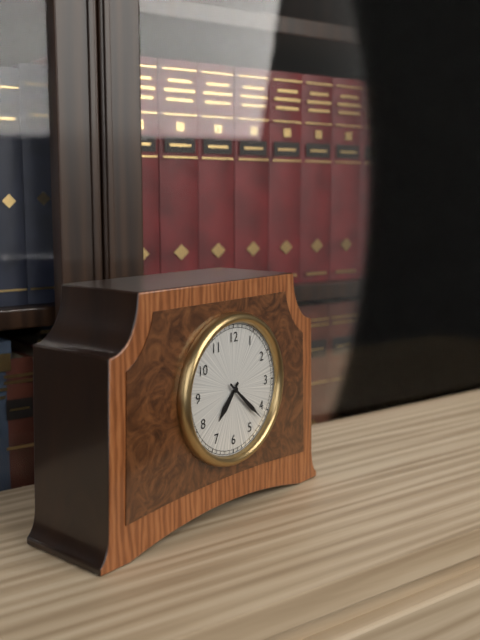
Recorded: 7,22
